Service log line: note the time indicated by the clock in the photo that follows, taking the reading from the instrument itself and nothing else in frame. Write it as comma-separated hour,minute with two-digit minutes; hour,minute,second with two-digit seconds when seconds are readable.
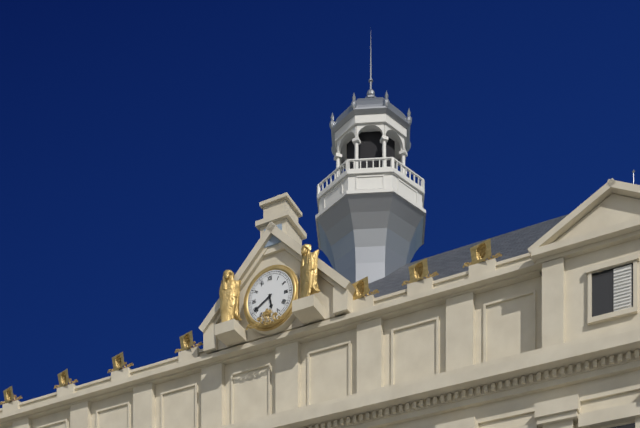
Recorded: 5,40
